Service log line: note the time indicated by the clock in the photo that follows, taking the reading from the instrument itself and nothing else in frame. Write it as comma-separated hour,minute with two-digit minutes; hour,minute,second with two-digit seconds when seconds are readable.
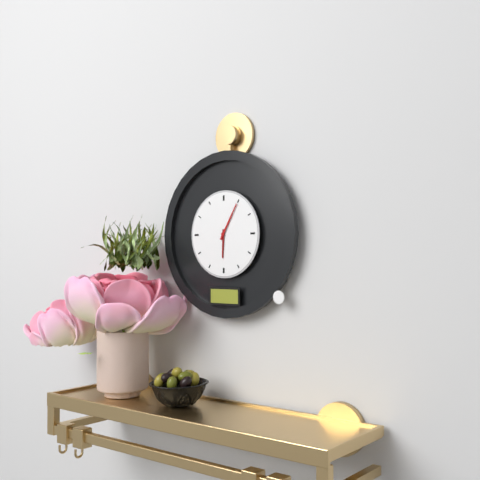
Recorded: 6,05
